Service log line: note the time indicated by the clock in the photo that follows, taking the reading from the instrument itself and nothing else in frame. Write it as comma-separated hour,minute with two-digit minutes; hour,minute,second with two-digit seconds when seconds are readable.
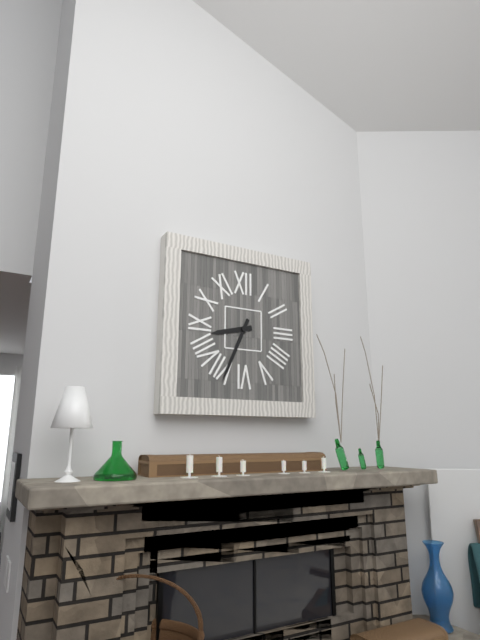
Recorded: 8,34
